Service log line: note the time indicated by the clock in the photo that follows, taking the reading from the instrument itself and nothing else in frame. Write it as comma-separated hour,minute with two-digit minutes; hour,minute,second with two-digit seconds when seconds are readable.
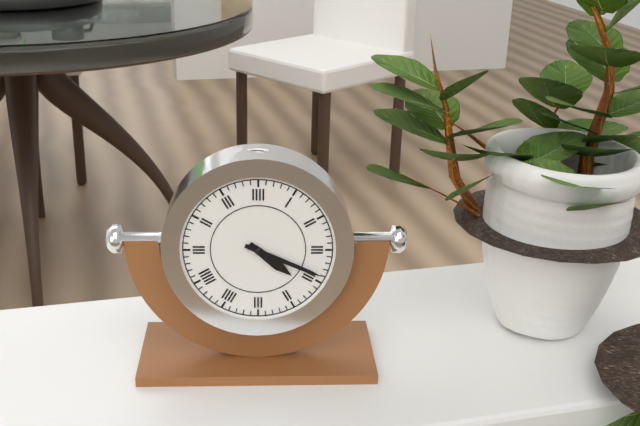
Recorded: 4,19
